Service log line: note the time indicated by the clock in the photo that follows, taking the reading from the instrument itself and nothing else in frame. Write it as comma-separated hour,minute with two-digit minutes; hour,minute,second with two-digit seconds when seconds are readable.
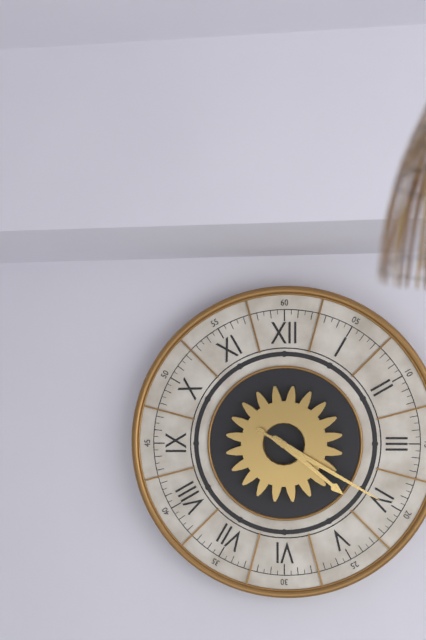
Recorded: 4,20
